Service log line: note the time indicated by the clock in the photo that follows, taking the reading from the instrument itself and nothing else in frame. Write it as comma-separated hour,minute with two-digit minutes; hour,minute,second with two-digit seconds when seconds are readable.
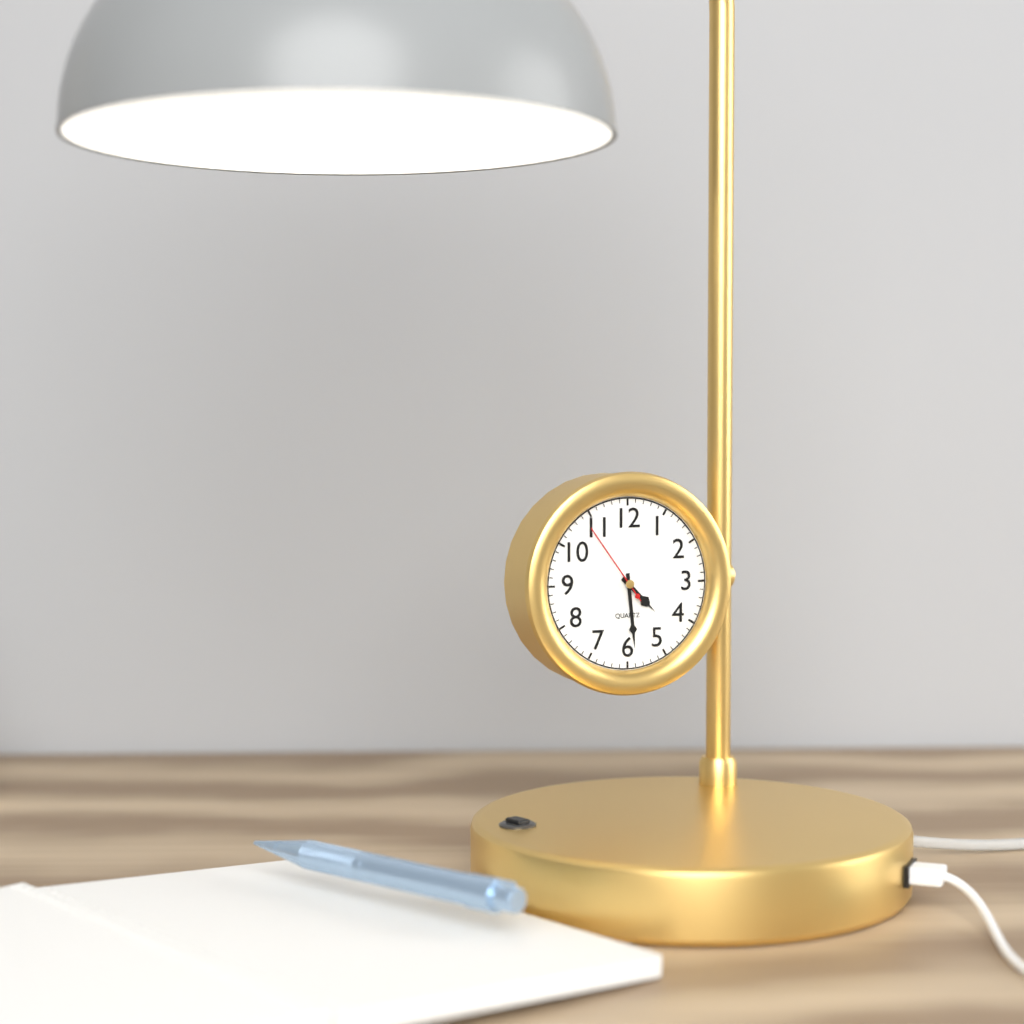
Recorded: 4,29,54
